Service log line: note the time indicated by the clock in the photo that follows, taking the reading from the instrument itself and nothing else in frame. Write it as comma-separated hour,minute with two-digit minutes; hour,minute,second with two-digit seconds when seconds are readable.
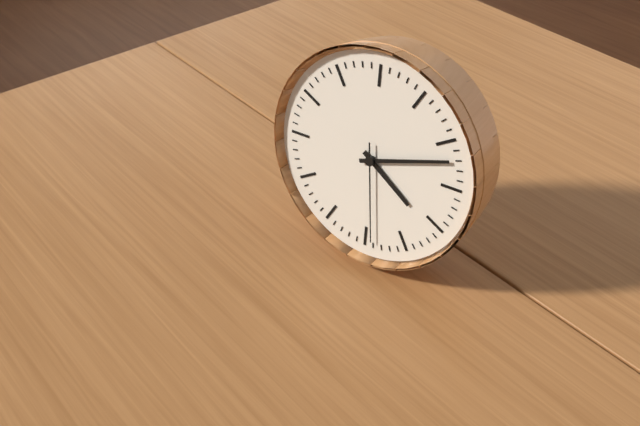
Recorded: 4,12,29
